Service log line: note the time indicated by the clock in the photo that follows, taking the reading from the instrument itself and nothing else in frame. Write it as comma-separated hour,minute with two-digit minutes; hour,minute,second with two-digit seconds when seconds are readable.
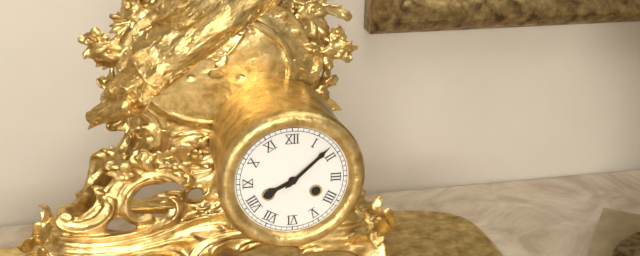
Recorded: 8,08
